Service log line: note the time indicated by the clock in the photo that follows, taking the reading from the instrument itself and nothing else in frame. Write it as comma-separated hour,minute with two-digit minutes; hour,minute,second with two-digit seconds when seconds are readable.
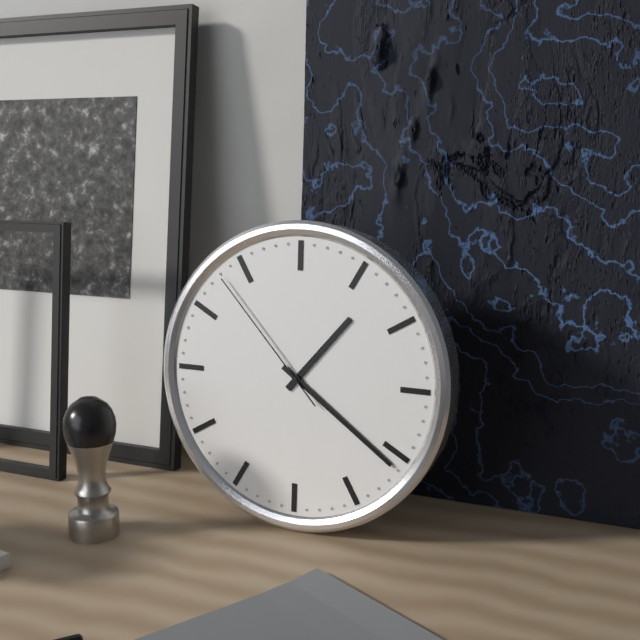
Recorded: 1,21,53
